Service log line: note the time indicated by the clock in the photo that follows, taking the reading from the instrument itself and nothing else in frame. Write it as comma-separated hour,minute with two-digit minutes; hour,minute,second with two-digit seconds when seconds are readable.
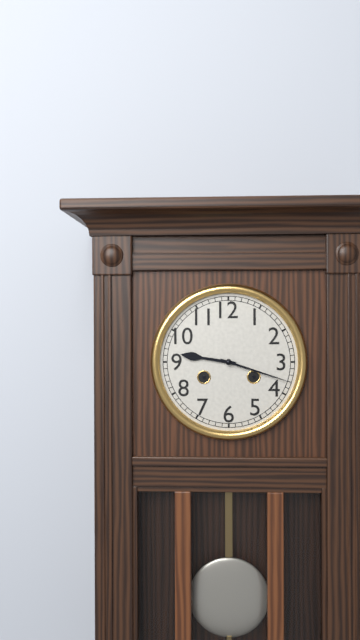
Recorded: 9,18
